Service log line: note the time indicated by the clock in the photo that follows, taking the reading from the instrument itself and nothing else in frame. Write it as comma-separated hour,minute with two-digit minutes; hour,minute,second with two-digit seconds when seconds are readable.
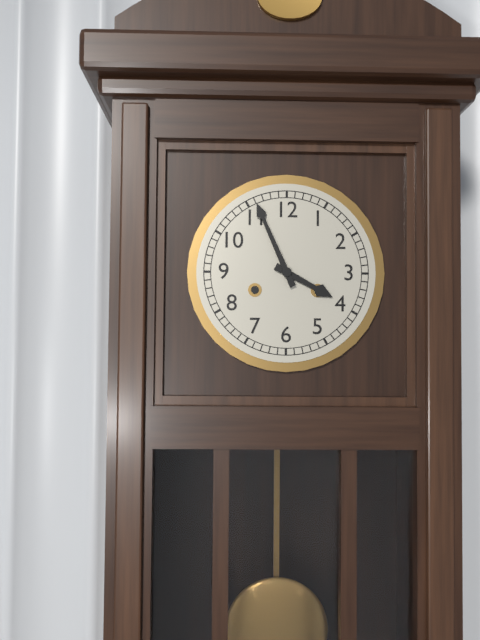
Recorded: 3,56
